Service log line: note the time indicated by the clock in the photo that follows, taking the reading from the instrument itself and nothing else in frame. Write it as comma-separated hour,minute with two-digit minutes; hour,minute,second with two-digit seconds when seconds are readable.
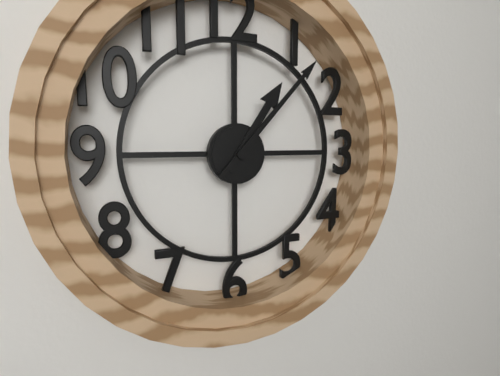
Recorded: 1,07
